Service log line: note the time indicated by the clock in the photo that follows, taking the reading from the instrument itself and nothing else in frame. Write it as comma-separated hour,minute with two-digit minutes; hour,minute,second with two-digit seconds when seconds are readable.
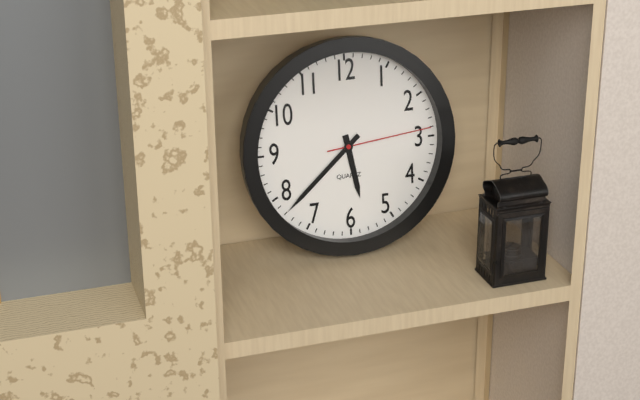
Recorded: 5,38,14
